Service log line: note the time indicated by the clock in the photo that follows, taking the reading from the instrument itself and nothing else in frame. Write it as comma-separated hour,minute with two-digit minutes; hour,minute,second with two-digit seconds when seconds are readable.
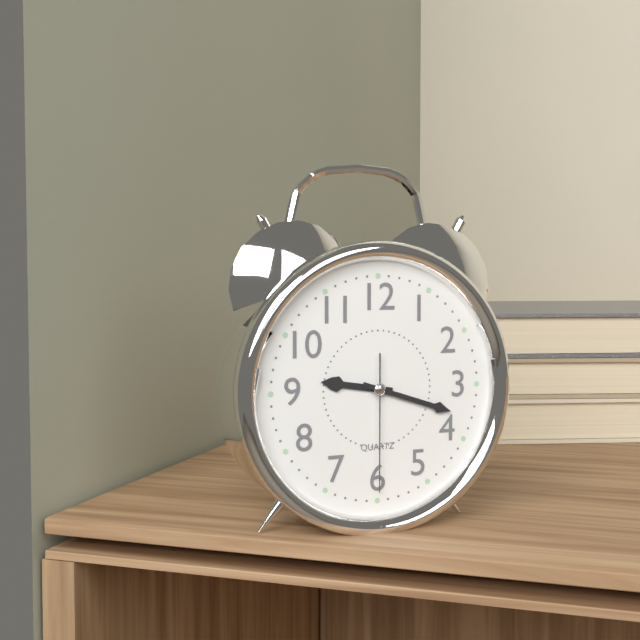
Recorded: 9,18,30
